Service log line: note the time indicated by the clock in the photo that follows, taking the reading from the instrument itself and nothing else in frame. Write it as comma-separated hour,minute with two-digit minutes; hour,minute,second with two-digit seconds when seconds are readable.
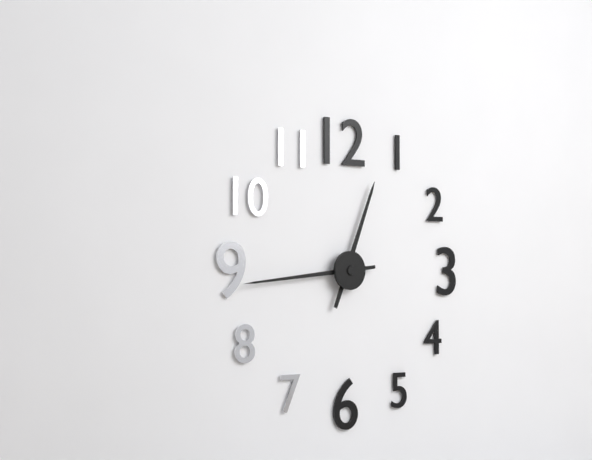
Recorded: 12,44
